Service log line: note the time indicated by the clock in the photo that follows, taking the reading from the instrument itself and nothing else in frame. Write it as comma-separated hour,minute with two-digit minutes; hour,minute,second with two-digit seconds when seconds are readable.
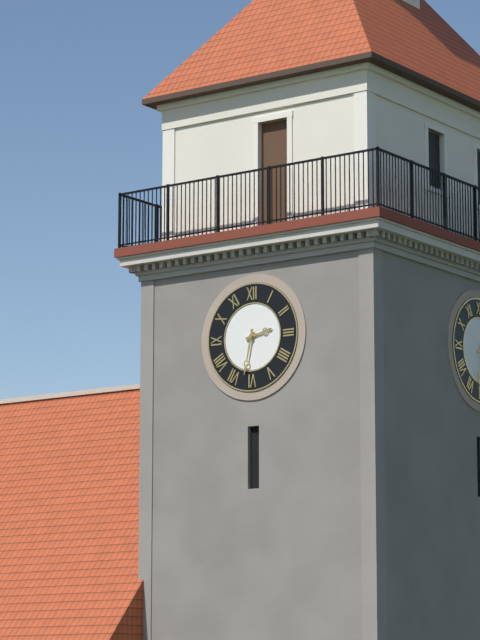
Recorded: 2,32
